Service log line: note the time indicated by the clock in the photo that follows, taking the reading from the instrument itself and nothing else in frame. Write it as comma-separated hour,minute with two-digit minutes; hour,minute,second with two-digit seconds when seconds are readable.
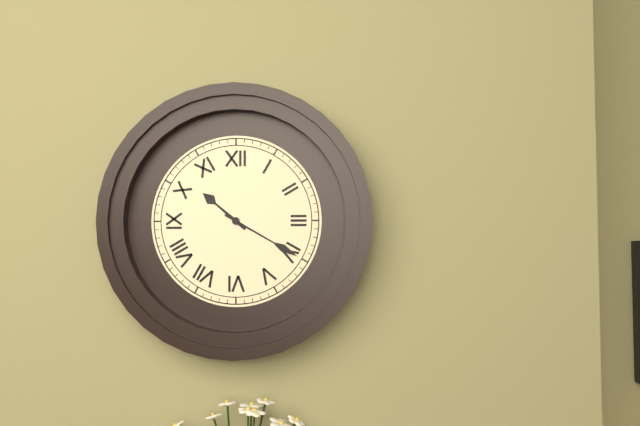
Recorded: 10,20
